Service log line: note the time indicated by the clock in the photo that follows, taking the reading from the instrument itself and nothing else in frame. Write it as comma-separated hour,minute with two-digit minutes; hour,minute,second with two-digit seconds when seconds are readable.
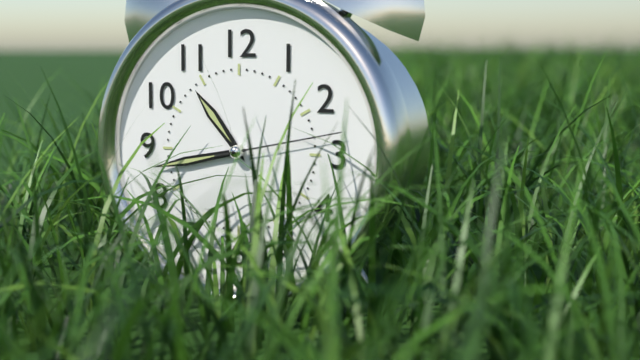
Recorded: 10,43,13
